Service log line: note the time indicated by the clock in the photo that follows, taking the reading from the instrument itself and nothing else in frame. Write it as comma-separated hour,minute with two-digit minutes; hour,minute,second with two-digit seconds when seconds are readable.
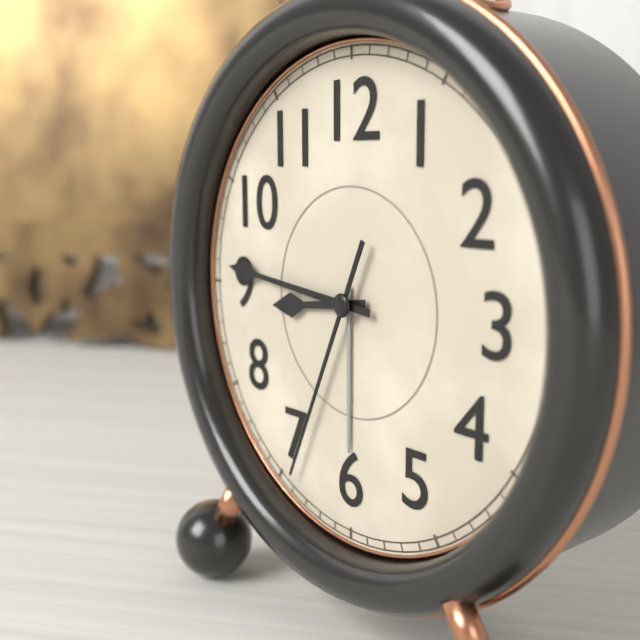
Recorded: 8,46,34
